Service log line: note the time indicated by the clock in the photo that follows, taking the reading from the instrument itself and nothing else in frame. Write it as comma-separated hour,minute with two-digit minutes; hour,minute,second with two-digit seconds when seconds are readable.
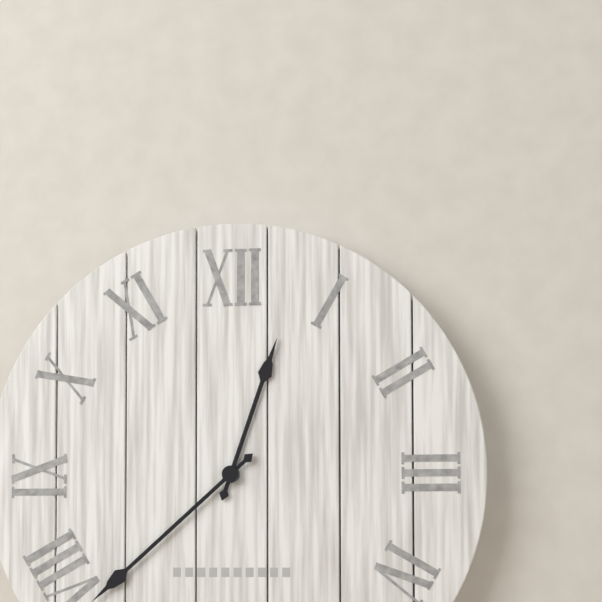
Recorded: 12,38
